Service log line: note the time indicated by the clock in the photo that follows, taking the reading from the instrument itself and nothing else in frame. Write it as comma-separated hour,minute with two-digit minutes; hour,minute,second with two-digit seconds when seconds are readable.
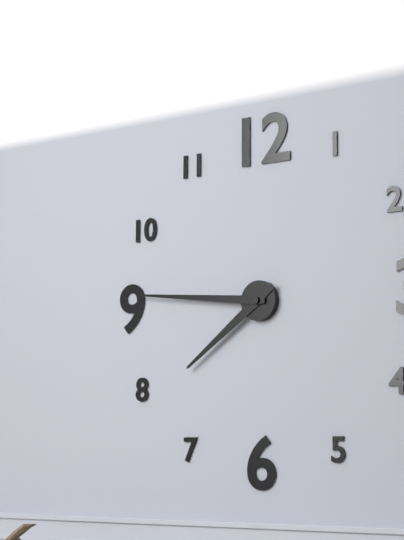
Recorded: 7,46
